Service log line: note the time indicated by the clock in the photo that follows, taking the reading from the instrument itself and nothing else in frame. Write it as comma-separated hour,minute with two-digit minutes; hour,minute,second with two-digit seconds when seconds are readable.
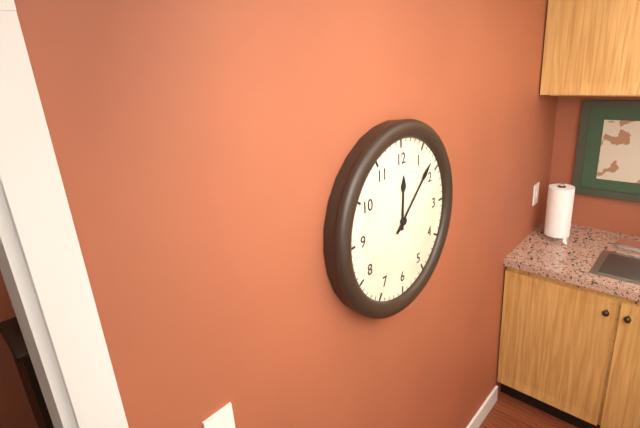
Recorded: 12,08
